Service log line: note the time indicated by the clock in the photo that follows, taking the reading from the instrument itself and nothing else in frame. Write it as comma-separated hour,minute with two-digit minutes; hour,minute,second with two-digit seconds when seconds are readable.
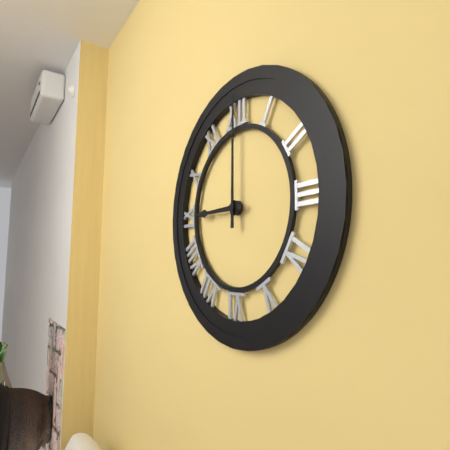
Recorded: 9,00
